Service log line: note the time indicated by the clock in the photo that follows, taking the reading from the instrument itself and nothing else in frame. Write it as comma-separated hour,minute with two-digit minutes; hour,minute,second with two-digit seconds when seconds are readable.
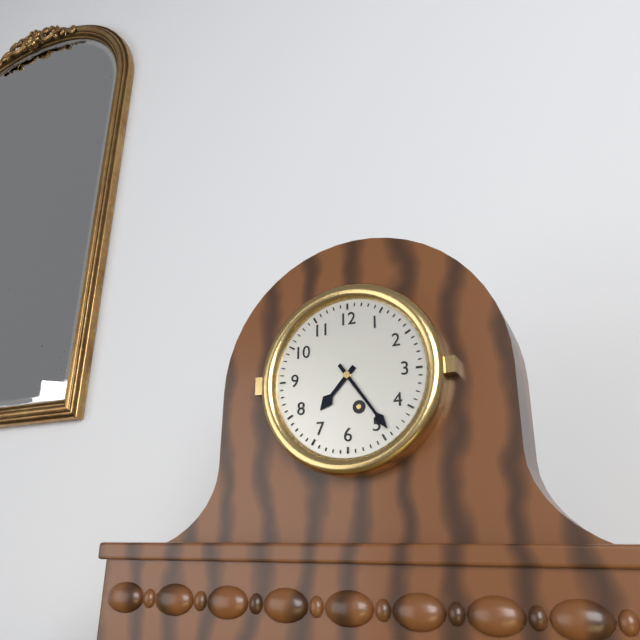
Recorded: 7,24
